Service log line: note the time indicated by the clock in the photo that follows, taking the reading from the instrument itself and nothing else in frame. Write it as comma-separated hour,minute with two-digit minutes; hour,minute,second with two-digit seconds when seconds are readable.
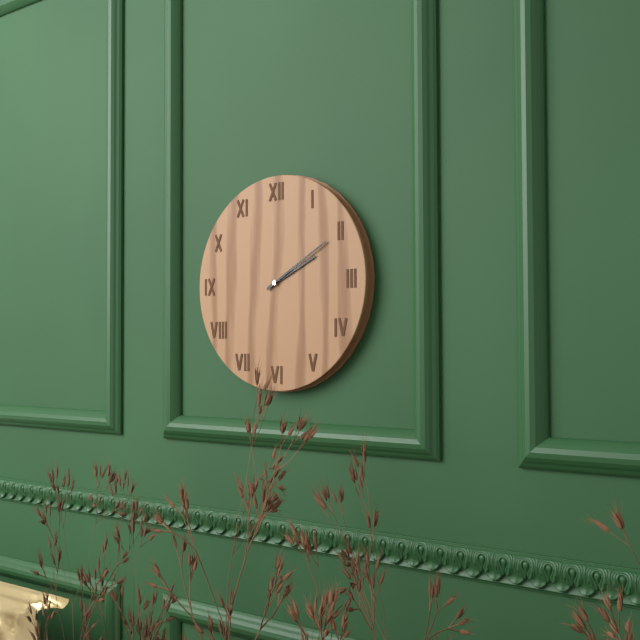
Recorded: 2,10
